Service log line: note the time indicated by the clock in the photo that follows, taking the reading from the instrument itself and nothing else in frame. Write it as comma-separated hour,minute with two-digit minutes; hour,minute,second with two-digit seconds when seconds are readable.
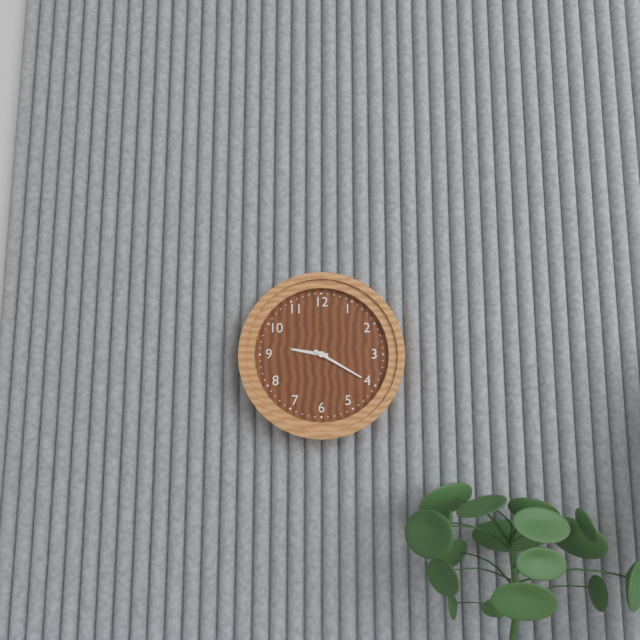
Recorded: 9,20
